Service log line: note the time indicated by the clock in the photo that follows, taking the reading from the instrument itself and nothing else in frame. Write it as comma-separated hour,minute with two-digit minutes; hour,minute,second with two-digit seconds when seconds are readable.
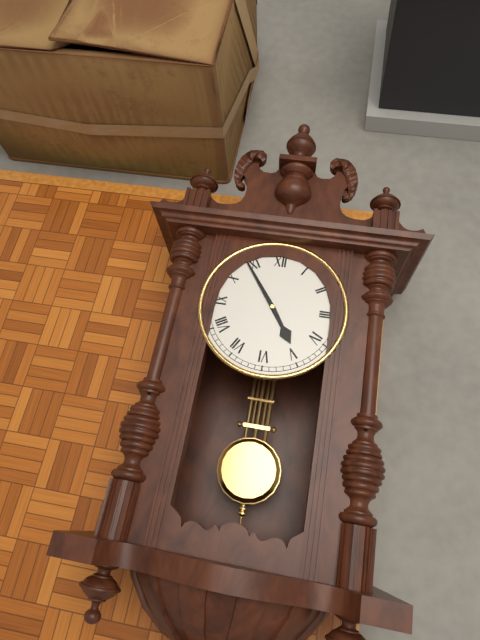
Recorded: 4,54
